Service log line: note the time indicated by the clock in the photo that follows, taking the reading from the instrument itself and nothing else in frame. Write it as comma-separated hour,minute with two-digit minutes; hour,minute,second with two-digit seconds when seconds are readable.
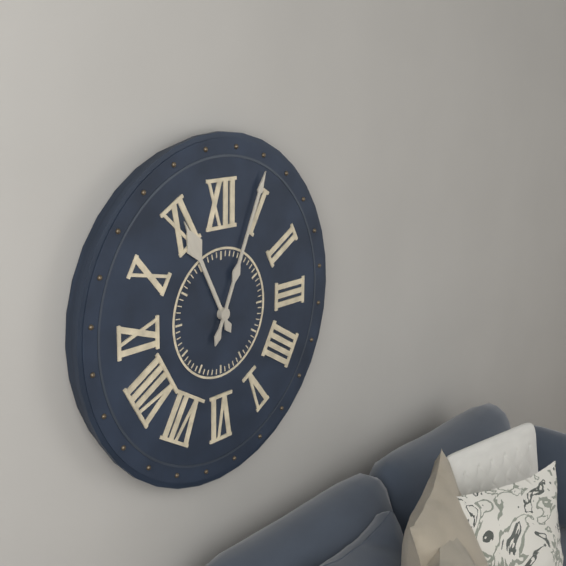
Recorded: 11,04
